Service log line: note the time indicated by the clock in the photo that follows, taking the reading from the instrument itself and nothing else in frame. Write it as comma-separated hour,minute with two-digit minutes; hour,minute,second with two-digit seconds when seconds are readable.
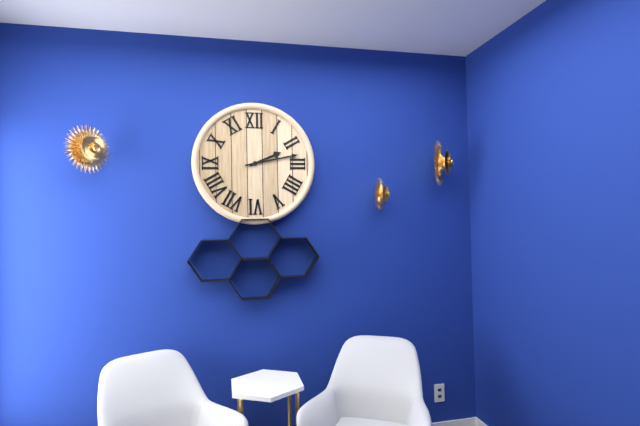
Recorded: 2,13
